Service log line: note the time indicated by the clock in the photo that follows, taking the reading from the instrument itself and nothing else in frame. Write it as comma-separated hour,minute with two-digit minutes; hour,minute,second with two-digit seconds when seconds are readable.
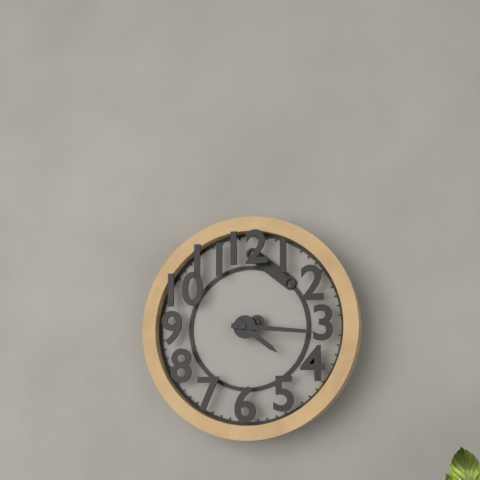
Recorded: 4,16
